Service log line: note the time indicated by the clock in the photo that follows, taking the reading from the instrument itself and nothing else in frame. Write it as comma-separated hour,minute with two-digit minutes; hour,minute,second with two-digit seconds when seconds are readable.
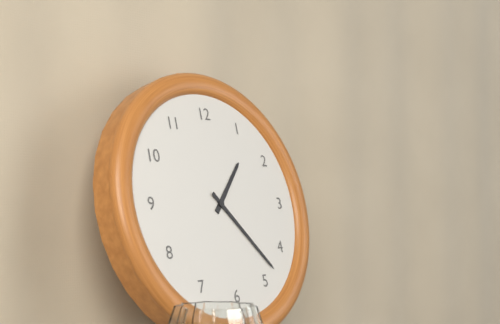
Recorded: 1,23
